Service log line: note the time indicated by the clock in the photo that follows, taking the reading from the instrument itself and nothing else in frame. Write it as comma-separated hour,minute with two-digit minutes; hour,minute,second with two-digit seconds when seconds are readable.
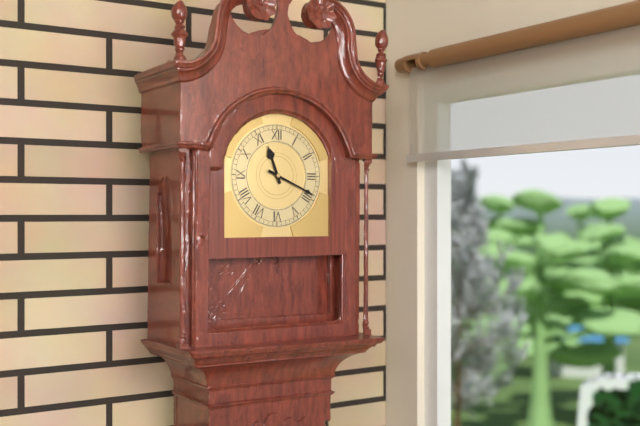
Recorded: 11,19
